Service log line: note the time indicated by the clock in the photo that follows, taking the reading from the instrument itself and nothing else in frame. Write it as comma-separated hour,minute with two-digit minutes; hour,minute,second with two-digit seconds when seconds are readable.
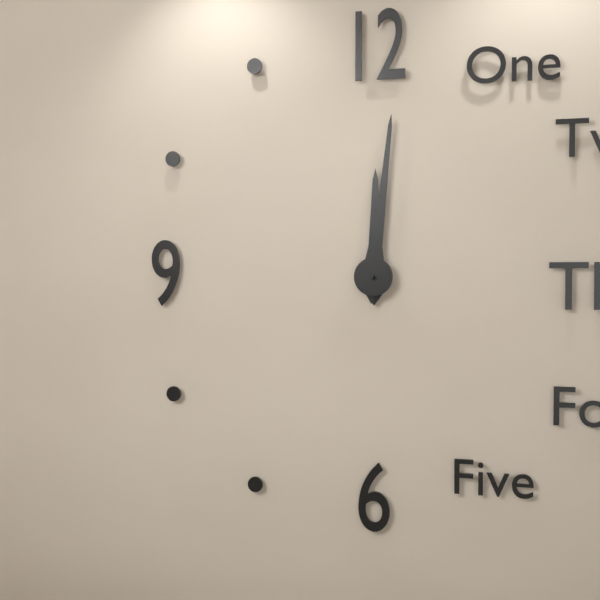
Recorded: 12,01
